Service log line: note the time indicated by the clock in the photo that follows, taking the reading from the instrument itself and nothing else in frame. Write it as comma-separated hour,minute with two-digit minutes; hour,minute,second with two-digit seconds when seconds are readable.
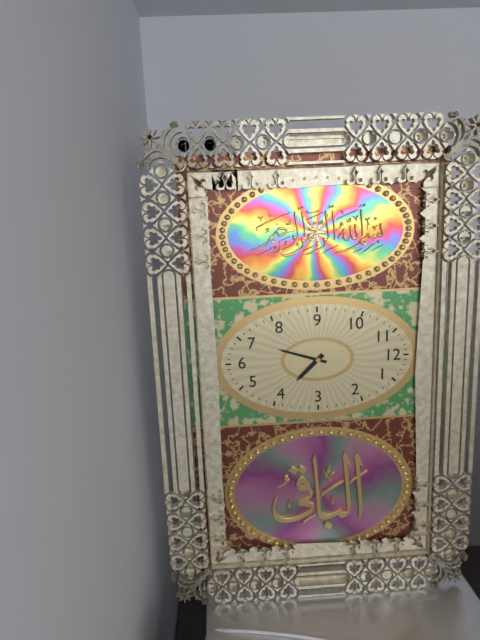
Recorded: 4,33
